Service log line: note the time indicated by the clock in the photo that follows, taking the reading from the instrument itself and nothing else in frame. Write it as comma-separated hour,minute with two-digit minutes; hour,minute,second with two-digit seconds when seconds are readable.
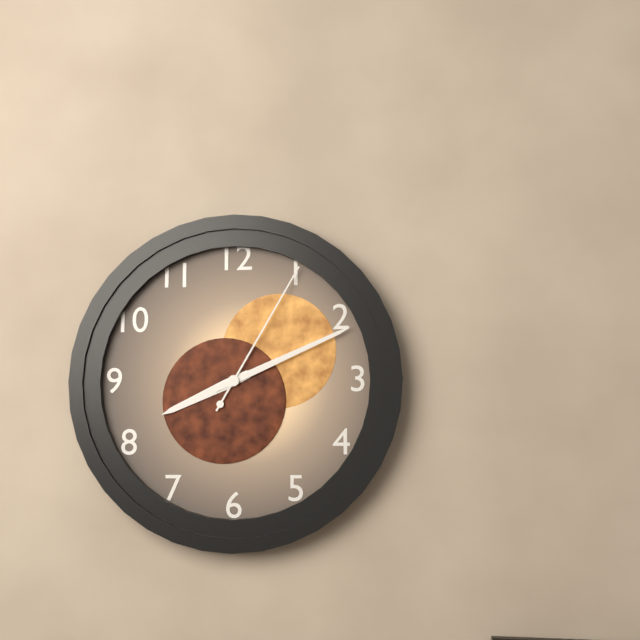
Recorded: 8,11,05
